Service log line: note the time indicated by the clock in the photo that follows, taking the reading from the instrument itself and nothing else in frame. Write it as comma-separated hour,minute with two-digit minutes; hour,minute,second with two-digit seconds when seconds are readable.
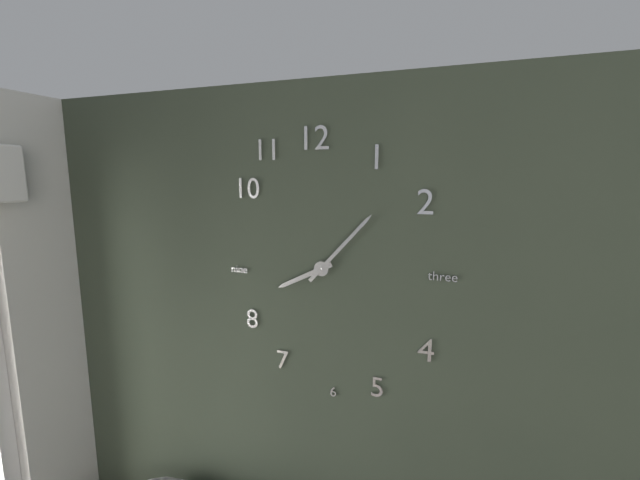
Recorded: 8,07
